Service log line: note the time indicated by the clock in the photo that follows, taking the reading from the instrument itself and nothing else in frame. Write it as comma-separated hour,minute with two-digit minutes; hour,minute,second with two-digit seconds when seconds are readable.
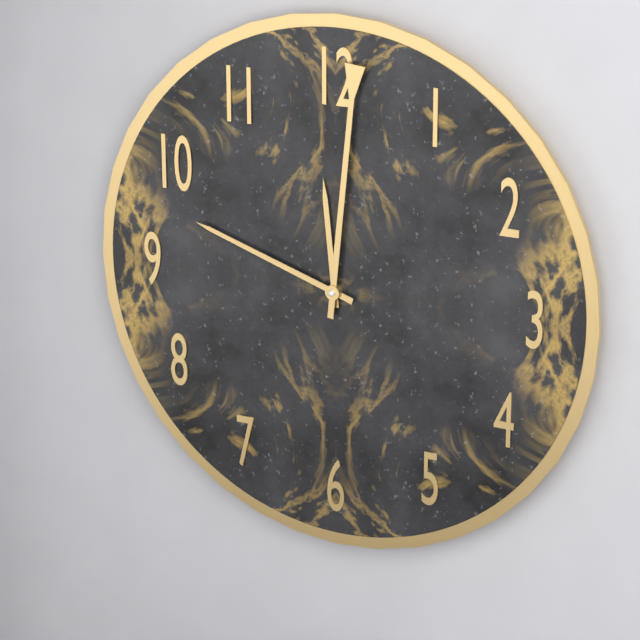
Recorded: 11,48,01
